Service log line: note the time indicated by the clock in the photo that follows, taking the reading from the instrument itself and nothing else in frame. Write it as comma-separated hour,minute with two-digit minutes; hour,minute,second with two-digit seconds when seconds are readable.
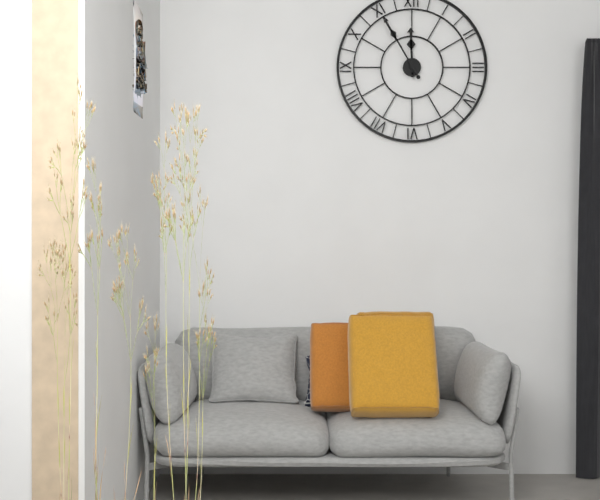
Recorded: 11,55
